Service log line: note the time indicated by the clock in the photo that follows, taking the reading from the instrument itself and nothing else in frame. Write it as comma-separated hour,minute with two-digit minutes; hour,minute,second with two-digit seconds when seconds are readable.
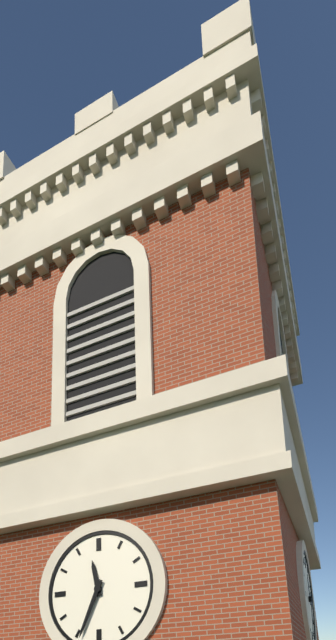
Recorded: 11,34
